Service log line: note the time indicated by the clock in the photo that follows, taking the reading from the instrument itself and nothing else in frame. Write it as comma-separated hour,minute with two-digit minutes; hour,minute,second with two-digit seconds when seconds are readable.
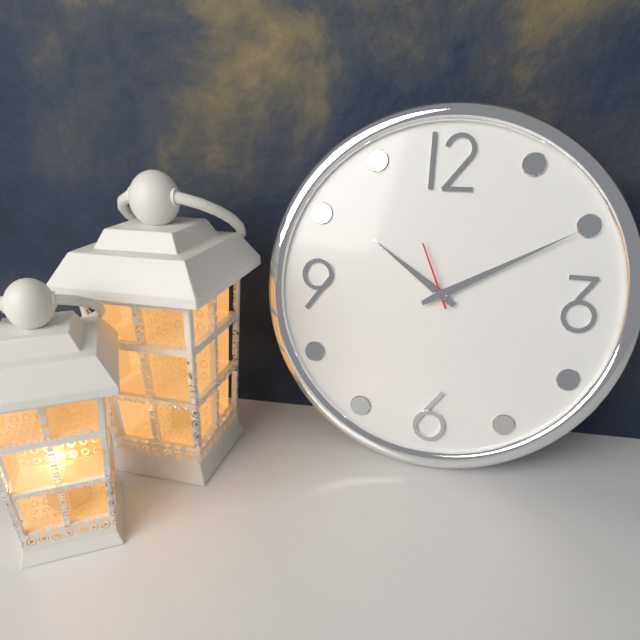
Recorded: 10,10,56
